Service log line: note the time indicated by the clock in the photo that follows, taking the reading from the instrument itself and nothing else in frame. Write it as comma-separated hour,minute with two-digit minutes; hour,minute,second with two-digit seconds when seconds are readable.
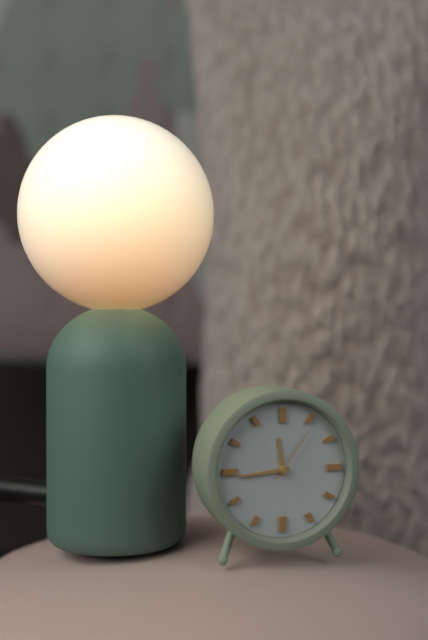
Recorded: 11,44,06
